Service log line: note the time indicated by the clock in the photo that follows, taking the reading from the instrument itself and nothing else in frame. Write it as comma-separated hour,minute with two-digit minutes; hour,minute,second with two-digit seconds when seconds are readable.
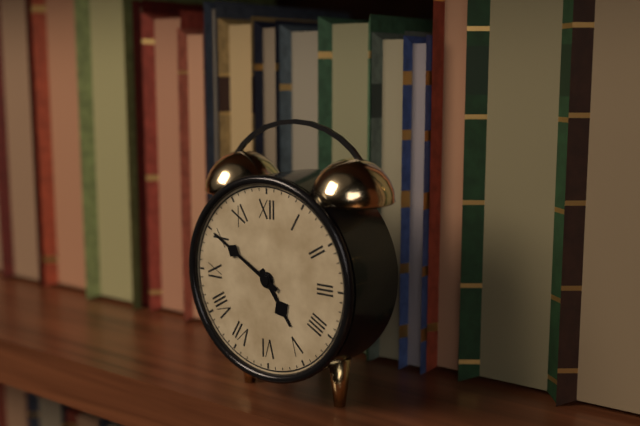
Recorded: 4,50
